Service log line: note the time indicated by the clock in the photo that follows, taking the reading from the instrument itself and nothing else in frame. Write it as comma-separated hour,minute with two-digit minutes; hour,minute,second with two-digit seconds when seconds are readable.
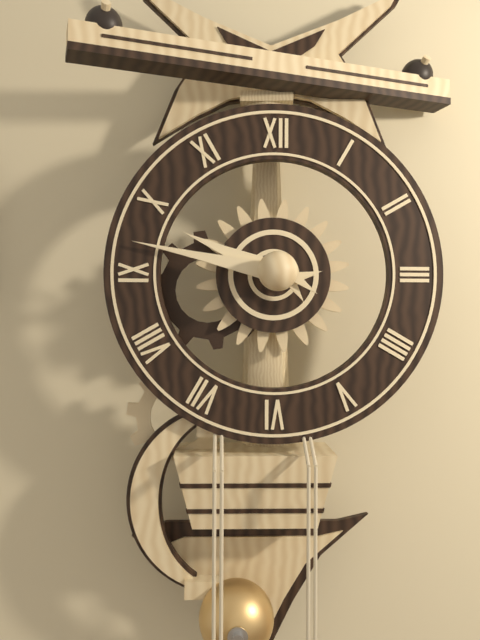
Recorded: 9,47
